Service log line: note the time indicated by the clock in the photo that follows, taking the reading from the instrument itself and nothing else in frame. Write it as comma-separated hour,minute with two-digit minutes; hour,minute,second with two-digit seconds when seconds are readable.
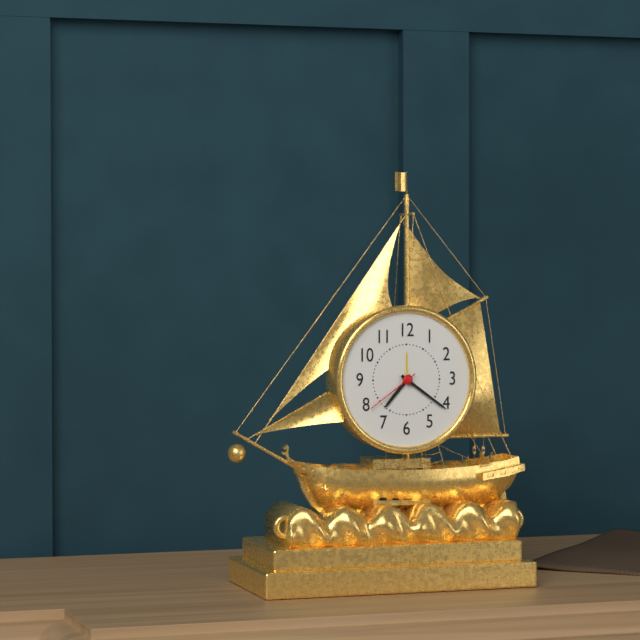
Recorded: 7,21,39
